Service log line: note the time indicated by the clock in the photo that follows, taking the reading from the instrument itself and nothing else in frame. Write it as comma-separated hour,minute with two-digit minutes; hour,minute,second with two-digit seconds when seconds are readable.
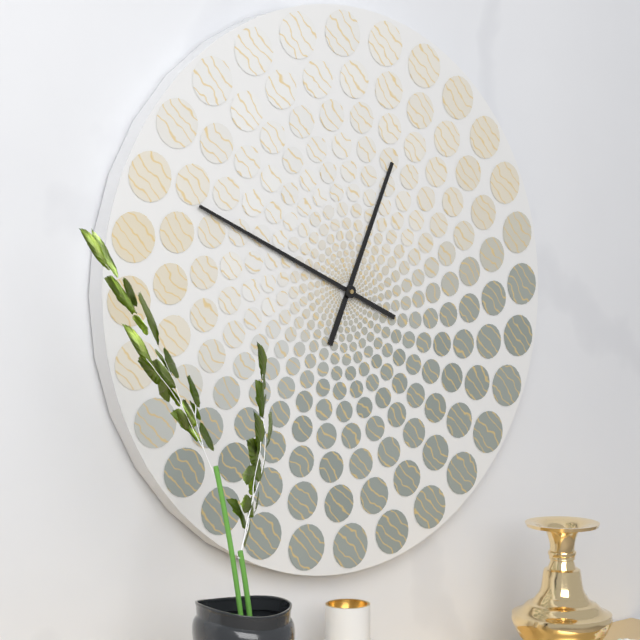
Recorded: 12,49
